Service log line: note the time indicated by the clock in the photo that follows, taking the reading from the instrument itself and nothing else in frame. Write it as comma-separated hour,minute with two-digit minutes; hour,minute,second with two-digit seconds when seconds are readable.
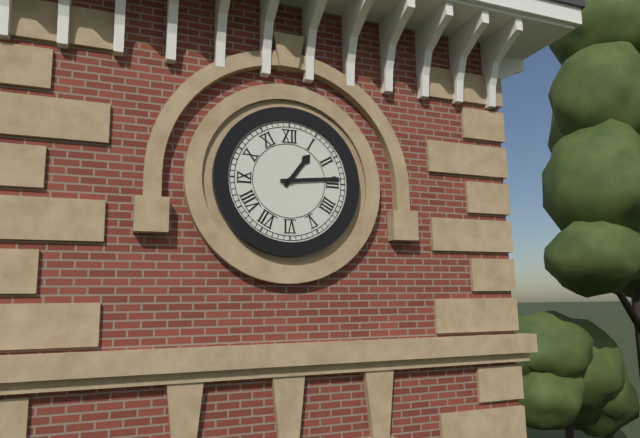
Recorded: 1,14
